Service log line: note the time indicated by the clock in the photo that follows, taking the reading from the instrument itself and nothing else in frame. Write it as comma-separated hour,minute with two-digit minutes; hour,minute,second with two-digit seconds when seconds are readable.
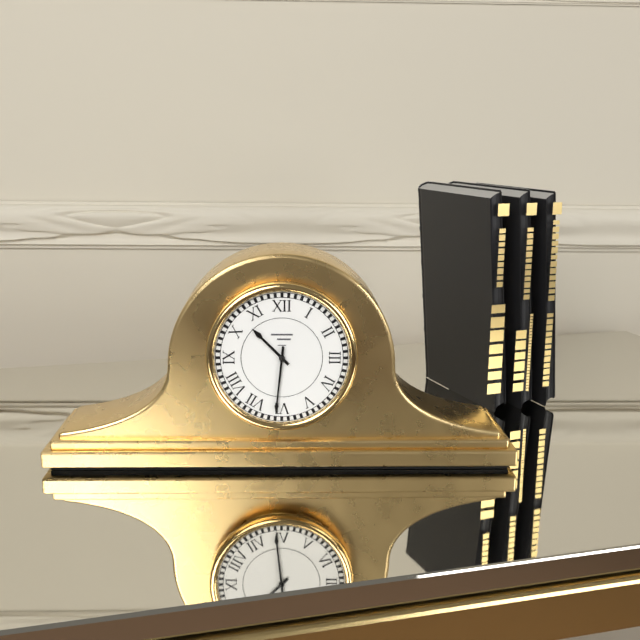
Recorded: 10,31
